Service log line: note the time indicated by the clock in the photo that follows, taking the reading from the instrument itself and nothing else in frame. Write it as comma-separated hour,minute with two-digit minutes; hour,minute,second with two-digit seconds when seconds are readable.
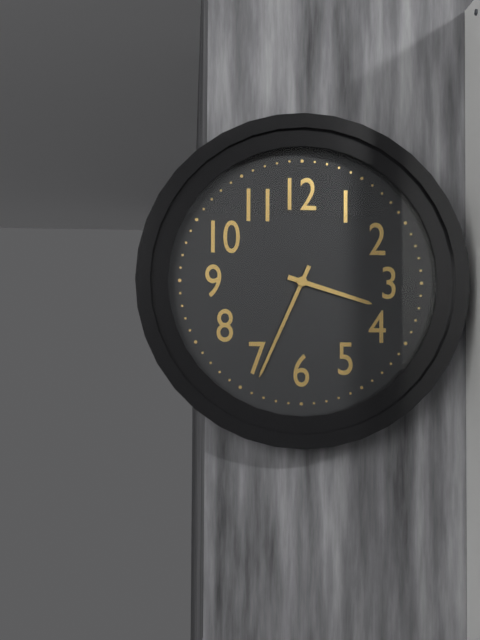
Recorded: 3,34
